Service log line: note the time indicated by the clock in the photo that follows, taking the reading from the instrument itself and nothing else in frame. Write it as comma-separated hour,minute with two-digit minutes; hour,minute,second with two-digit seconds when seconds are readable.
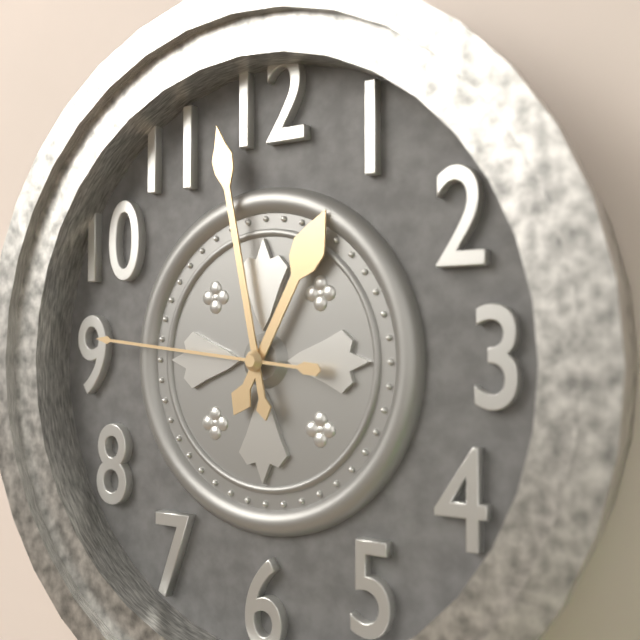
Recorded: 12,58,46
